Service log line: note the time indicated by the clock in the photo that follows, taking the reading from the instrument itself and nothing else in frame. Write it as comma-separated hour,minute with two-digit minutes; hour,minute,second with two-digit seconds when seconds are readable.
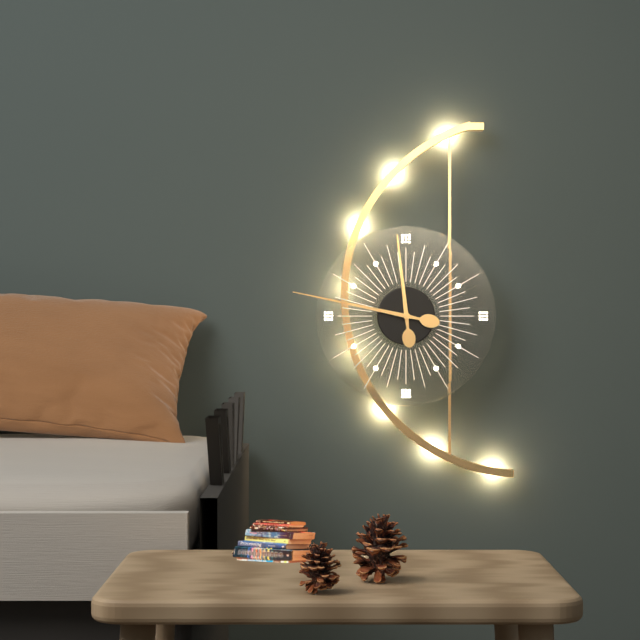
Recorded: 11,47
